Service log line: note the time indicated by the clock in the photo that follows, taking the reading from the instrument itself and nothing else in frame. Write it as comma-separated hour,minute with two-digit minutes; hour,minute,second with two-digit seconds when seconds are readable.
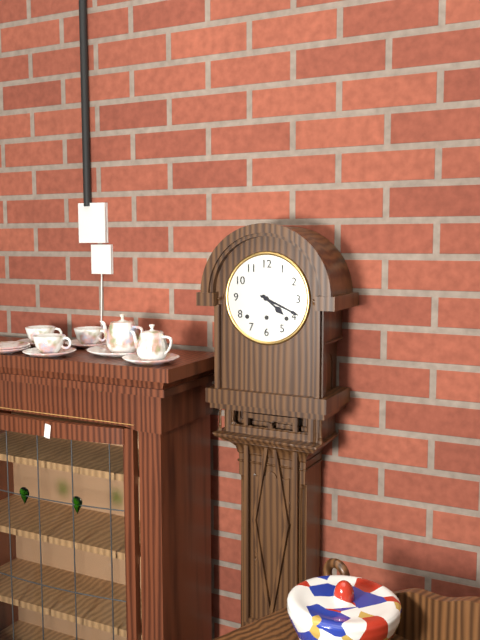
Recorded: 4,19
